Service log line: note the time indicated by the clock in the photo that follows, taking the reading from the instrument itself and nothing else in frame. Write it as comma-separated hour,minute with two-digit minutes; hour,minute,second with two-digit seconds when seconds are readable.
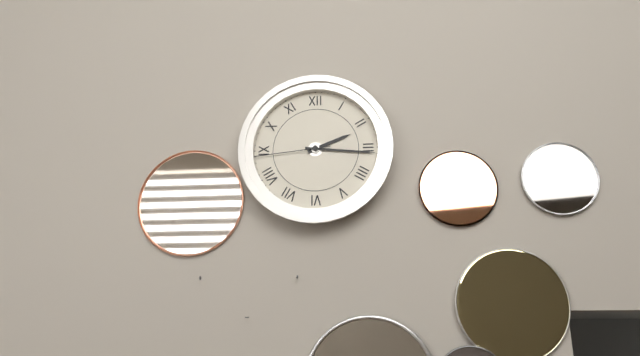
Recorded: 2,16,44
